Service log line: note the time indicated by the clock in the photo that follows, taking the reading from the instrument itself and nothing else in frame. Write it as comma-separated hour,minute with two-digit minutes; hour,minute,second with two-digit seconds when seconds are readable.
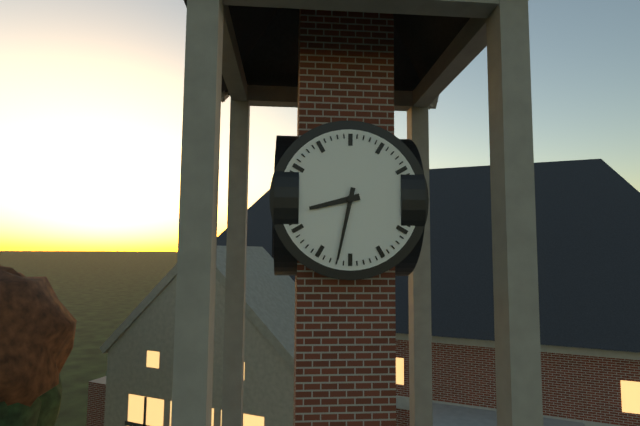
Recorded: 8,32
